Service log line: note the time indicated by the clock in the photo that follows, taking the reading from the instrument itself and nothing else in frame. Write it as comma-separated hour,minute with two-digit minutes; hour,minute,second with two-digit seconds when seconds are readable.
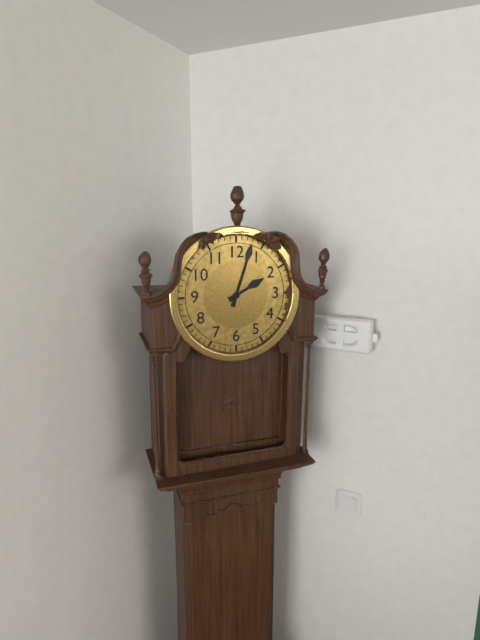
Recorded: 2,03
